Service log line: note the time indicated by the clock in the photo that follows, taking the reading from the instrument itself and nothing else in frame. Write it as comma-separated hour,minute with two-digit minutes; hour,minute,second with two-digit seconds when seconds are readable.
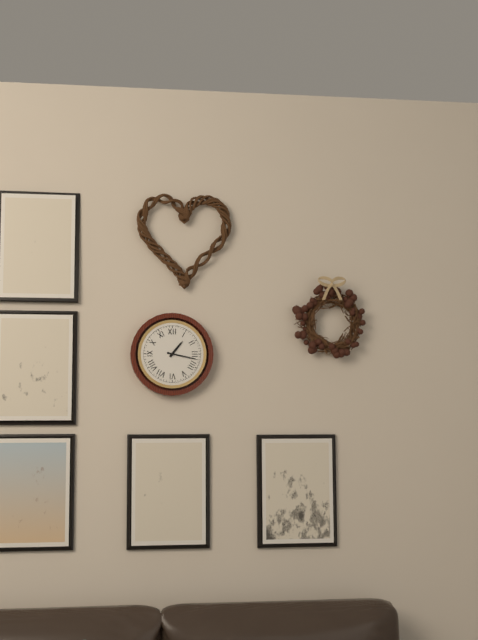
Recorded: 1,17
